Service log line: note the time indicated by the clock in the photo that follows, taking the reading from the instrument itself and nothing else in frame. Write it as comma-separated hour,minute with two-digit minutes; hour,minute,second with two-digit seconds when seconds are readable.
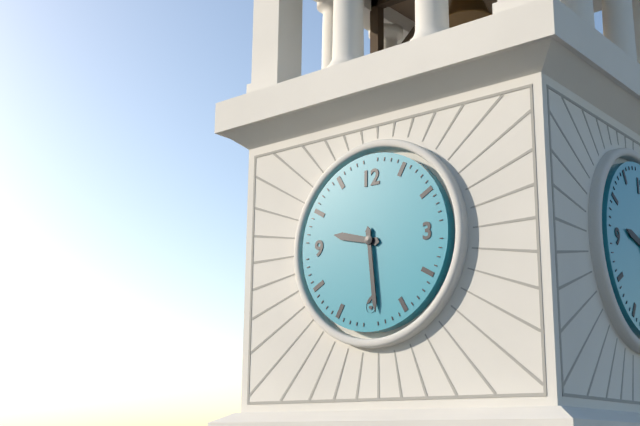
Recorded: 9,29
